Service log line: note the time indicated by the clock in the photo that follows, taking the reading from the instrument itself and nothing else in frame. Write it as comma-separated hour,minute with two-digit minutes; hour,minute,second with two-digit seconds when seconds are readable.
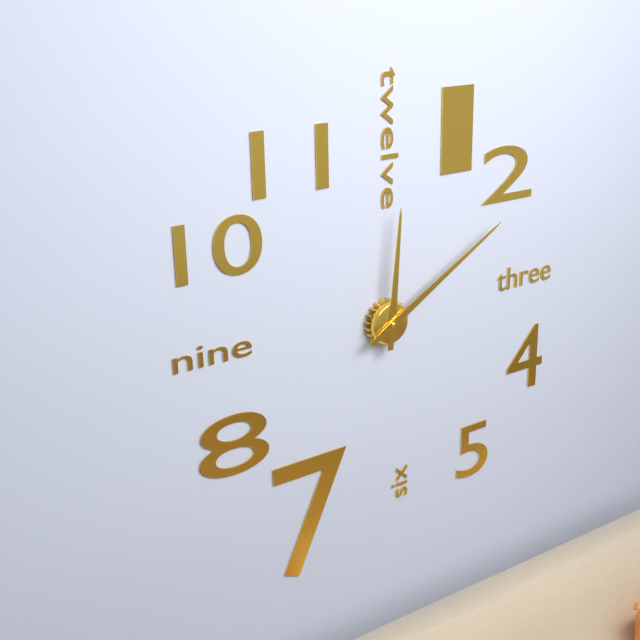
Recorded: 12,10
